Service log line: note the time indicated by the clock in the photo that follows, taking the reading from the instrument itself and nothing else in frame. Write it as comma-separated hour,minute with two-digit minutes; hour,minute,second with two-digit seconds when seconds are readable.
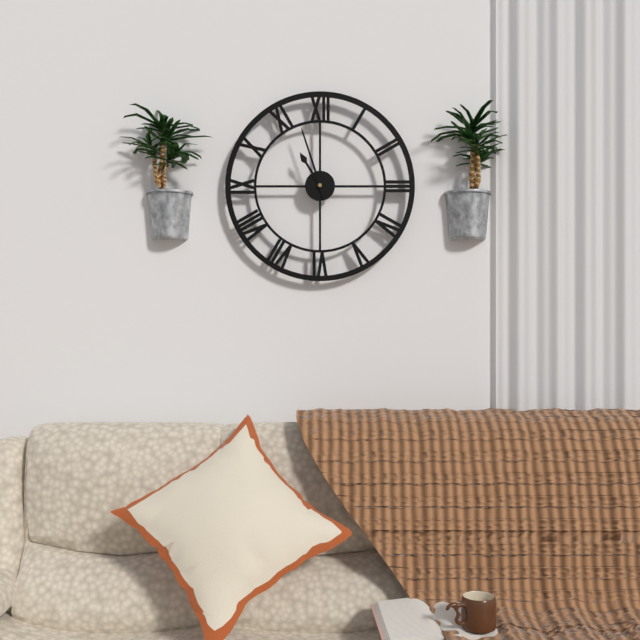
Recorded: 10,57
